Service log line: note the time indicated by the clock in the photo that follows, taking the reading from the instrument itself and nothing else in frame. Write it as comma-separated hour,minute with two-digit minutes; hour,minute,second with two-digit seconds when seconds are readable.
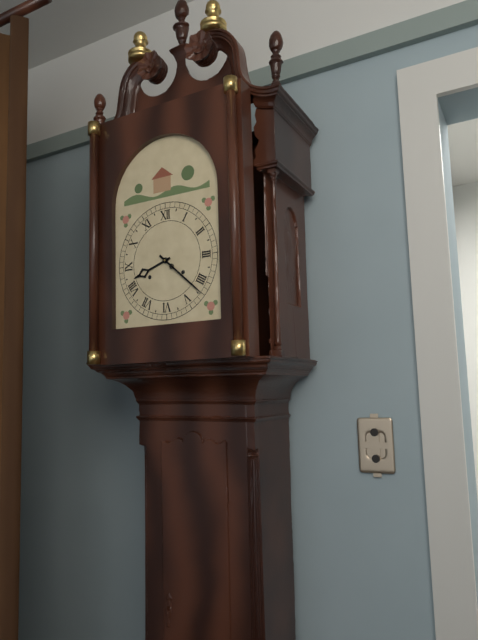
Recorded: 8,22
